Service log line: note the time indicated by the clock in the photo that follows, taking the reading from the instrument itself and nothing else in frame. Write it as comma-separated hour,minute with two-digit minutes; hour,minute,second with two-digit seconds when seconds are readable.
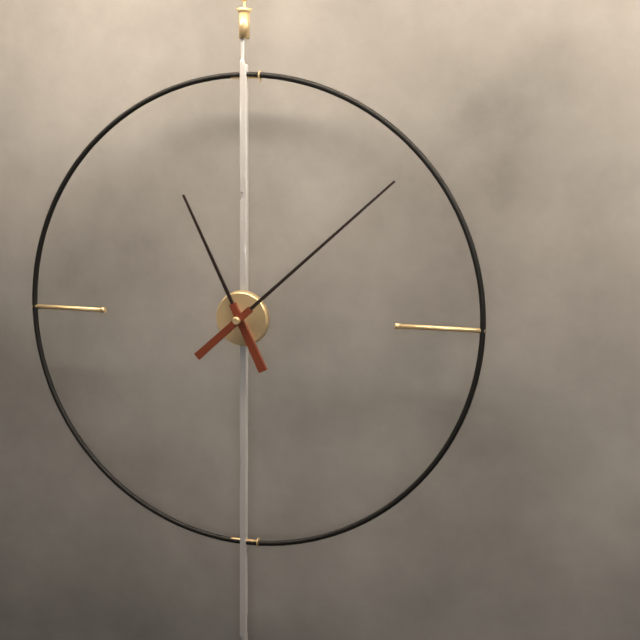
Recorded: 11,08
